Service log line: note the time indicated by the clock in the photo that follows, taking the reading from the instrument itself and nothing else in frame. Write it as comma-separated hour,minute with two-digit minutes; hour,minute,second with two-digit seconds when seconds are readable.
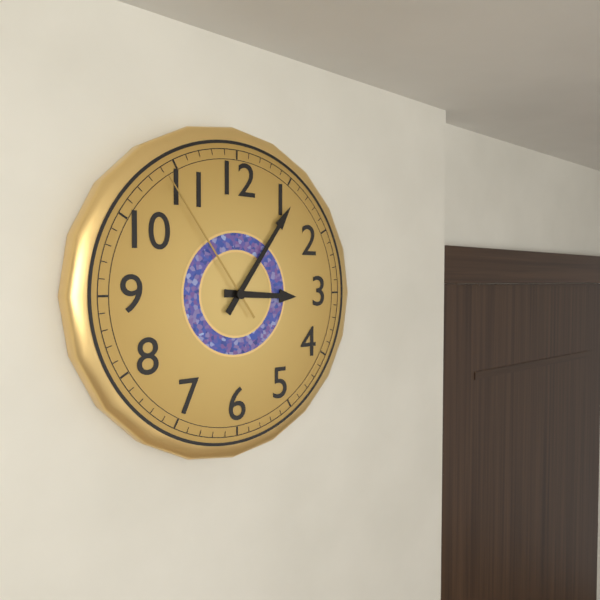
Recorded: 3,06,54
